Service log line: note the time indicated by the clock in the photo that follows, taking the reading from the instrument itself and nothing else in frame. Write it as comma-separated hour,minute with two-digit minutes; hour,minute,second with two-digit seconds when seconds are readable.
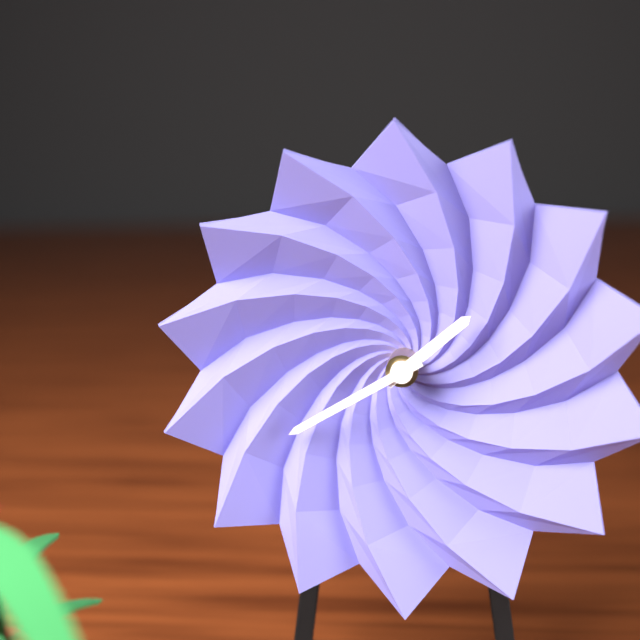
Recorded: 1,40
